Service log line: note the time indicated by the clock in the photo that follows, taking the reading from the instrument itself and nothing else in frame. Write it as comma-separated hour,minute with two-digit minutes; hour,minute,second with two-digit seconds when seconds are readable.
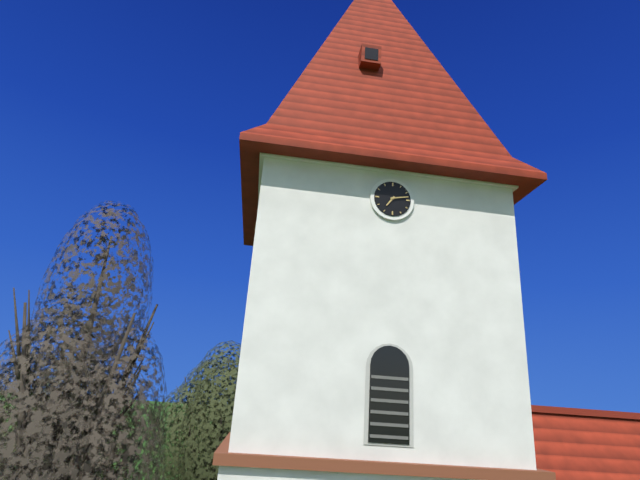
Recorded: 7,13
